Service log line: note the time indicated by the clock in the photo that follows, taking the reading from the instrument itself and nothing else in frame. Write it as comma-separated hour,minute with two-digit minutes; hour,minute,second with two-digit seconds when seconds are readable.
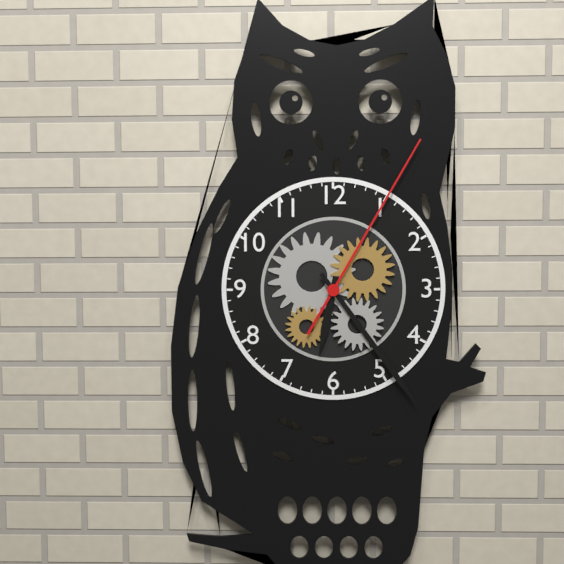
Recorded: 6,24,05
